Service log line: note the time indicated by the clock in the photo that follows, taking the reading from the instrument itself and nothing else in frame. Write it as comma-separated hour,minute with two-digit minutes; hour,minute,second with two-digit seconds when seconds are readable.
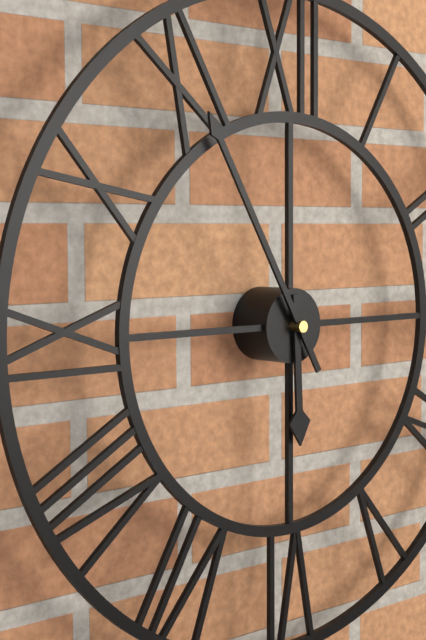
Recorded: 5,55
